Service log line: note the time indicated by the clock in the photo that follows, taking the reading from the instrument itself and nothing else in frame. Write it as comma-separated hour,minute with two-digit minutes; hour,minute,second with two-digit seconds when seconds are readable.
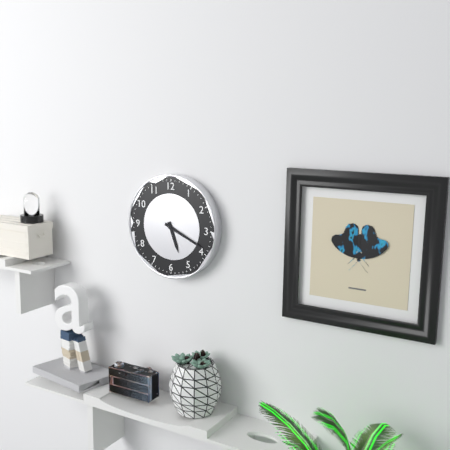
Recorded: 5,19
